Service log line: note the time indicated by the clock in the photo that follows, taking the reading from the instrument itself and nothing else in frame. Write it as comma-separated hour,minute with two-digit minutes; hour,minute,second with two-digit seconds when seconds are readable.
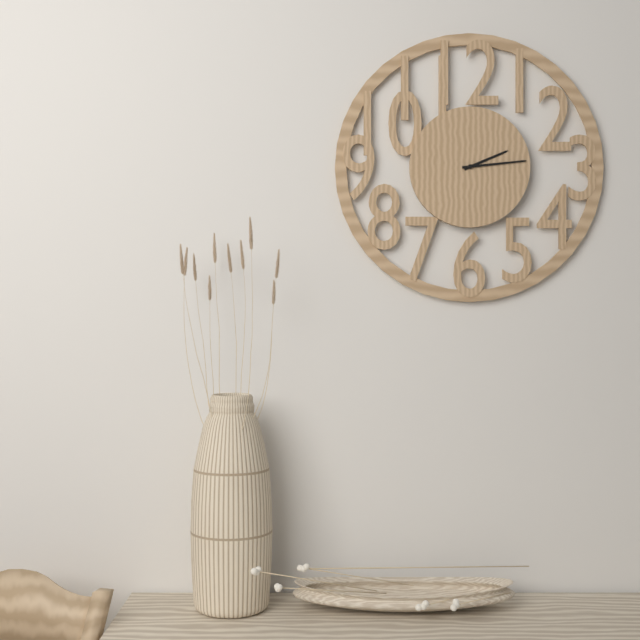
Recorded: 2,14
